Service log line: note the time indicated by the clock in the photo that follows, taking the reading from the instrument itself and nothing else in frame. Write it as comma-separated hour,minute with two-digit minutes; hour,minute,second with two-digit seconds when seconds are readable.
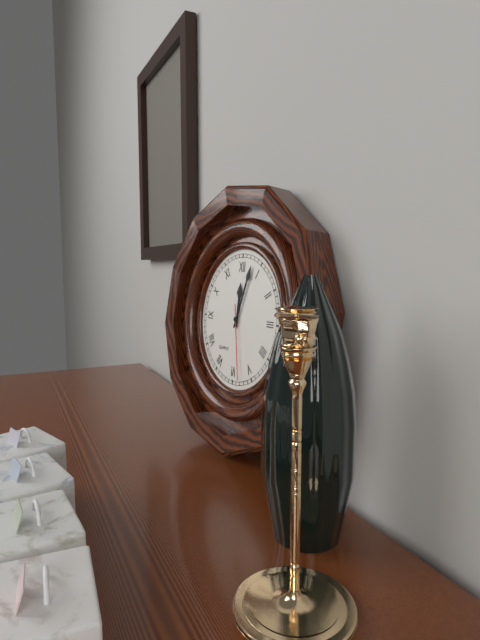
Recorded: 12,03,28
